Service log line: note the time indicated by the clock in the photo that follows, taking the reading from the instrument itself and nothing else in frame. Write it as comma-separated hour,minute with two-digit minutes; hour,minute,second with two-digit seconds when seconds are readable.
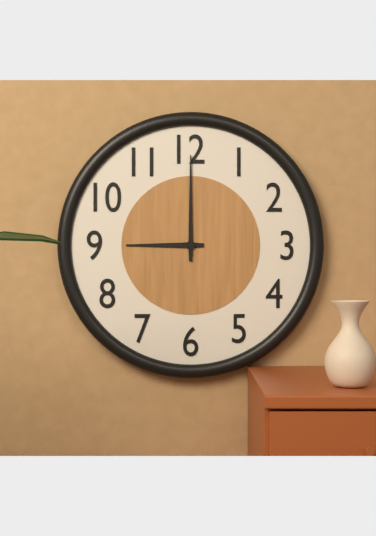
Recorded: 9,00
